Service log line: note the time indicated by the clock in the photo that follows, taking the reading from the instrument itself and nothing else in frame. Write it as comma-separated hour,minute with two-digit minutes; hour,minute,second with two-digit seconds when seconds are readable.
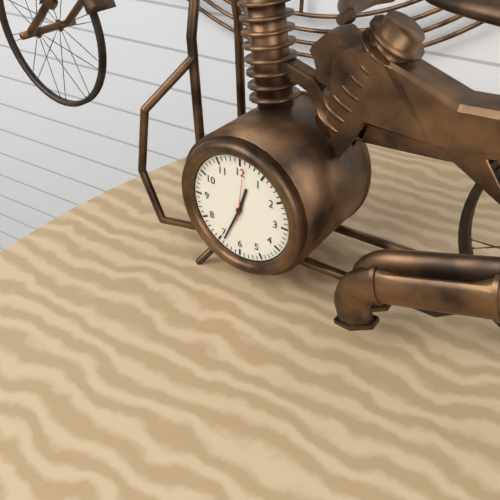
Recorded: 12,34,01
